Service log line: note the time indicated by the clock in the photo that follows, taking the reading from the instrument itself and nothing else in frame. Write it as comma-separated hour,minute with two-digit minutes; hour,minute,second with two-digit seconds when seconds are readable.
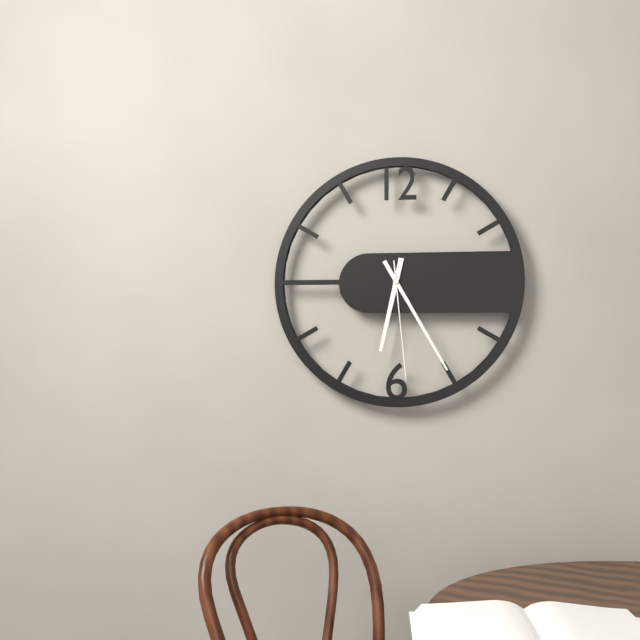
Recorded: 6,25,29
